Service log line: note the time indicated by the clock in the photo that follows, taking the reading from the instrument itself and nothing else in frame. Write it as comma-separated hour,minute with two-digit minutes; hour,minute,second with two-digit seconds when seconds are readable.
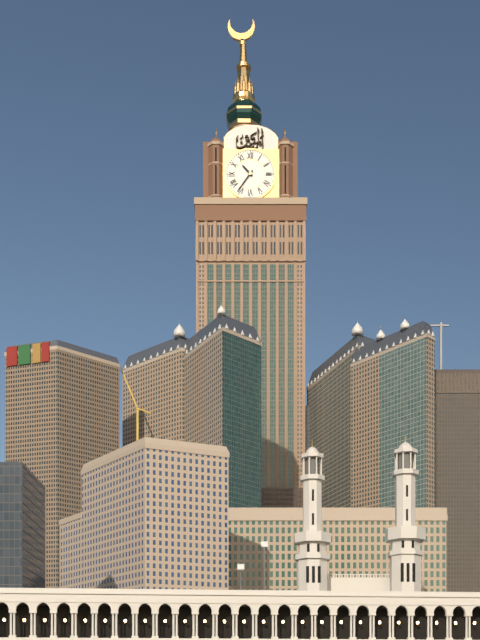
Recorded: 10,36
